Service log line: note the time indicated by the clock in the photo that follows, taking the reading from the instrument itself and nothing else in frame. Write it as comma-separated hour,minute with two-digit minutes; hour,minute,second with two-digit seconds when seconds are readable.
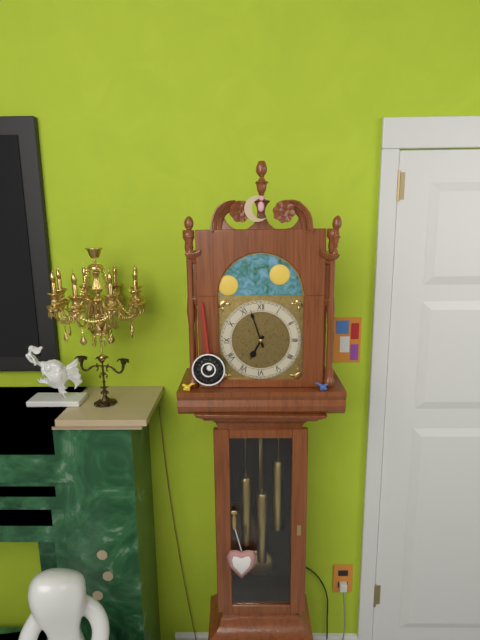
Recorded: 6,57
